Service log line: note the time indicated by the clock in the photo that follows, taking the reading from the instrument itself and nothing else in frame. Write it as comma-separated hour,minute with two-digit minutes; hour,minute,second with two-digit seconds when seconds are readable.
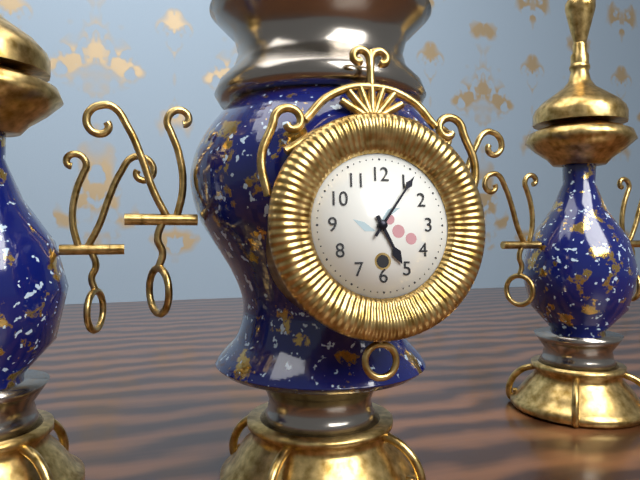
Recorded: 5,06
